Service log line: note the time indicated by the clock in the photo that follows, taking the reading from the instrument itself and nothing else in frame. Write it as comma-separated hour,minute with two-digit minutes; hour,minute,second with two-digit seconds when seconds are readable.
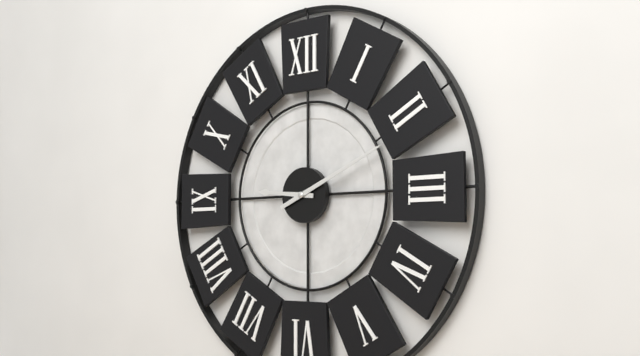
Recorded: 9,11
